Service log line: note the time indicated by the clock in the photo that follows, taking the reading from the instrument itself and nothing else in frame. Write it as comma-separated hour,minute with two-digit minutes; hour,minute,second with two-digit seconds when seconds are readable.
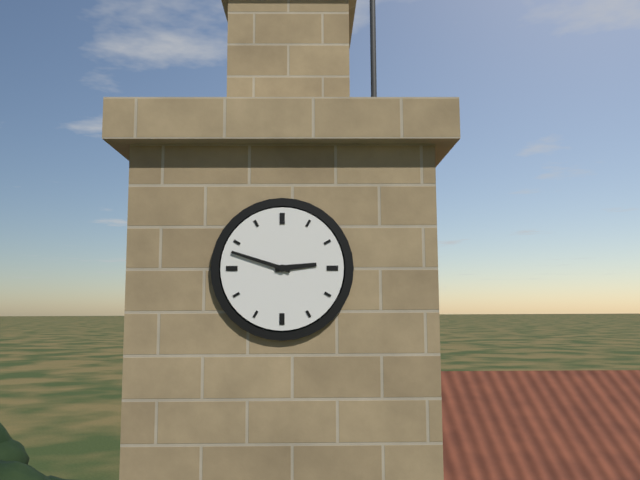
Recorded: 2,48
